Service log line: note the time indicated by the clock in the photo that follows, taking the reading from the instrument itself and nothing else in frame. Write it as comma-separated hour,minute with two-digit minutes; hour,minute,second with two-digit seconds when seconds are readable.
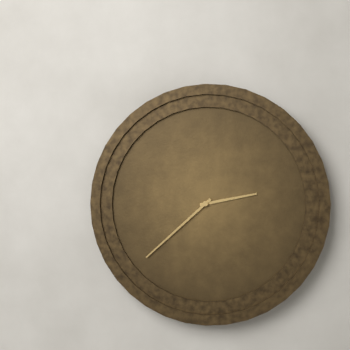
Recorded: 2,38
